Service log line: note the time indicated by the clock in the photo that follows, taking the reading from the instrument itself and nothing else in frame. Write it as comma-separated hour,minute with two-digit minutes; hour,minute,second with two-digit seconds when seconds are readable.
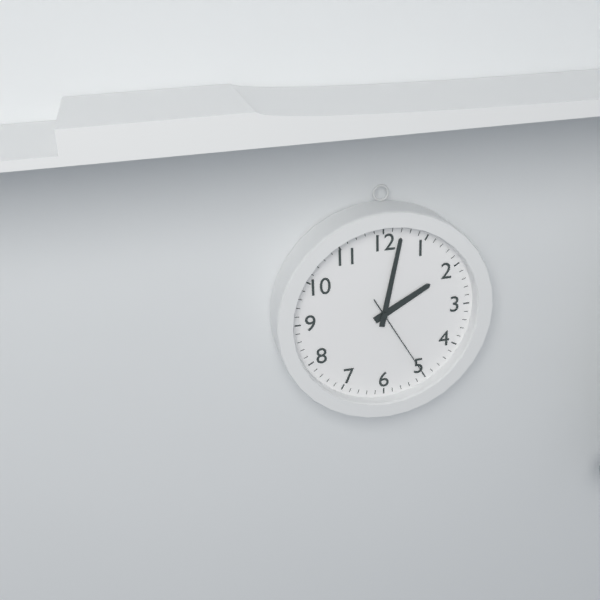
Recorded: 2,02,25
